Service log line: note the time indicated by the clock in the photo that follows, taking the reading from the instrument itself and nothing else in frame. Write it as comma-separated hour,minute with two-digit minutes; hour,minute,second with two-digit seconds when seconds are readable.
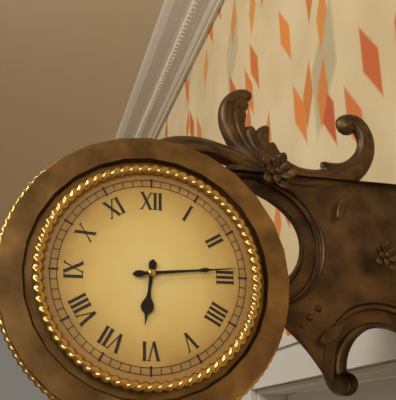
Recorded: 6,14
